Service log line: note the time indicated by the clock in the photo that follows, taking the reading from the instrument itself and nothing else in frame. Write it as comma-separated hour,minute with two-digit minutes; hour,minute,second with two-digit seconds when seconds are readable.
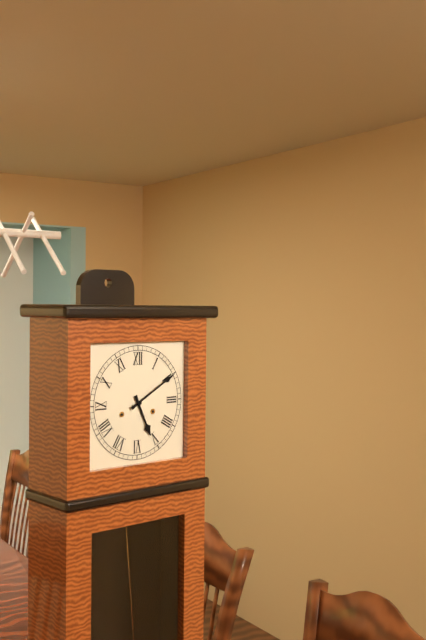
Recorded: 5,10
